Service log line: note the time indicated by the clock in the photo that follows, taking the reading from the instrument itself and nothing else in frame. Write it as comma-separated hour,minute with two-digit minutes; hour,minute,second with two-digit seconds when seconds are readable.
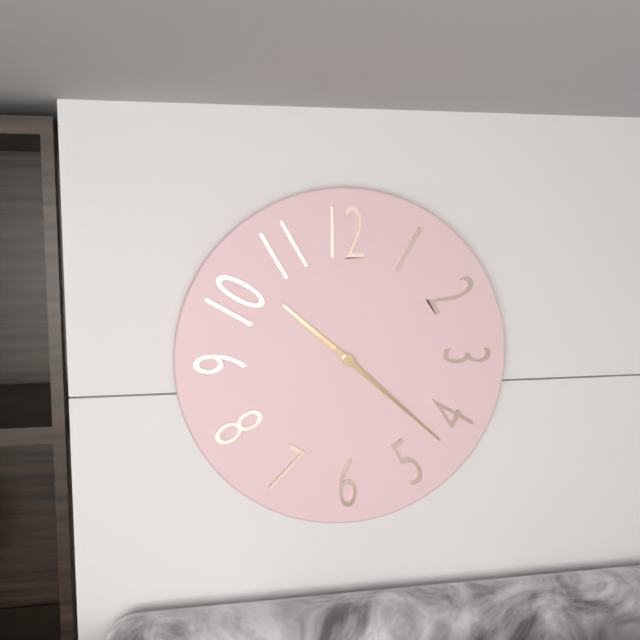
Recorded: 10,22
